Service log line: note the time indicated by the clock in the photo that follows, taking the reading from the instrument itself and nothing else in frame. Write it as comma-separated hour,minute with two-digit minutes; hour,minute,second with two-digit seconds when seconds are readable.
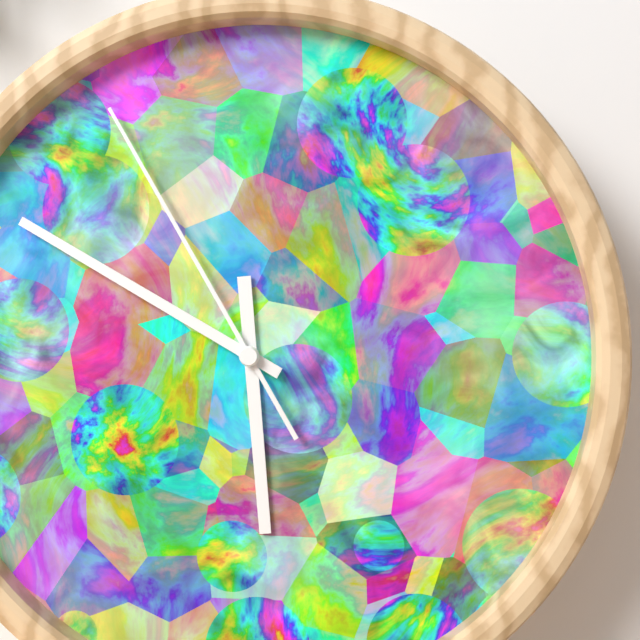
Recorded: 5,50,55
